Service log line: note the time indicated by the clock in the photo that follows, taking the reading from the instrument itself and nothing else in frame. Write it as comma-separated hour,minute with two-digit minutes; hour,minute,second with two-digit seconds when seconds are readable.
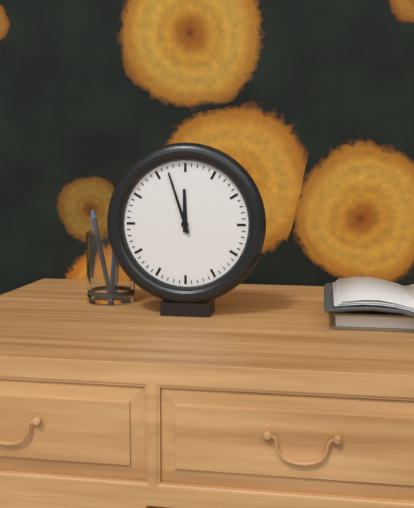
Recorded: 11,57
